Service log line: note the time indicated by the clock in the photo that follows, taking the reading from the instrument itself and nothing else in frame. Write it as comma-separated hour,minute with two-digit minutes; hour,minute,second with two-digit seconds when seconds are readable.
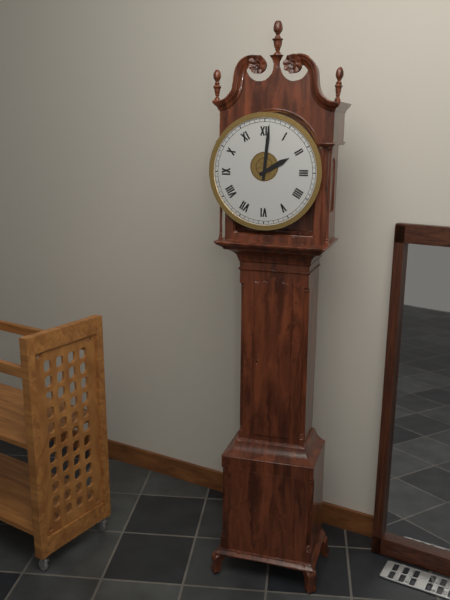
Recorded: 2,01
